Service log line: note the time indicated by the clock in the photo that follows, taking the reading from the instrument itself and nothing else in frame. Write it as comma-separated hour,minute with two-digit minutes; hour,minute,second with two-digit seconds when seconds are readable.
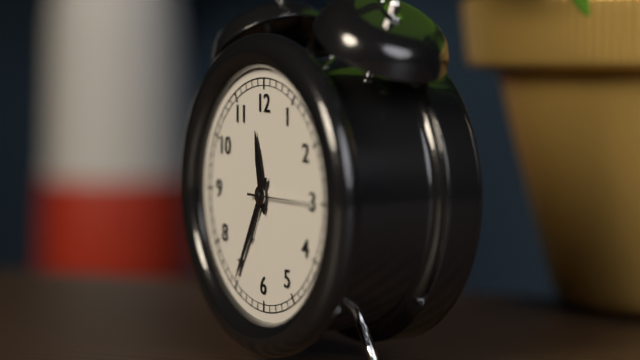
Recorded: 11,35,15
